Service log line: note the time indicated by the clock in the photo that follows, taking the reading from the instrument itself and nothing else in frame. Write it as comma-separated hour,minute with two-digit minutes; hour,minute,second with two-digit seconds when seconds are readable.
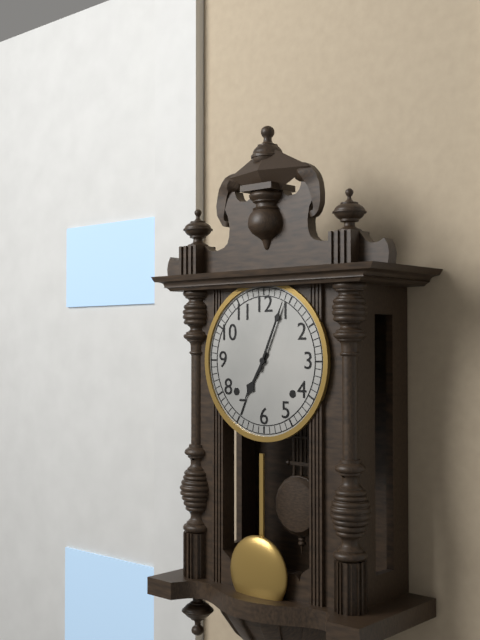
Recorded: 7,04
